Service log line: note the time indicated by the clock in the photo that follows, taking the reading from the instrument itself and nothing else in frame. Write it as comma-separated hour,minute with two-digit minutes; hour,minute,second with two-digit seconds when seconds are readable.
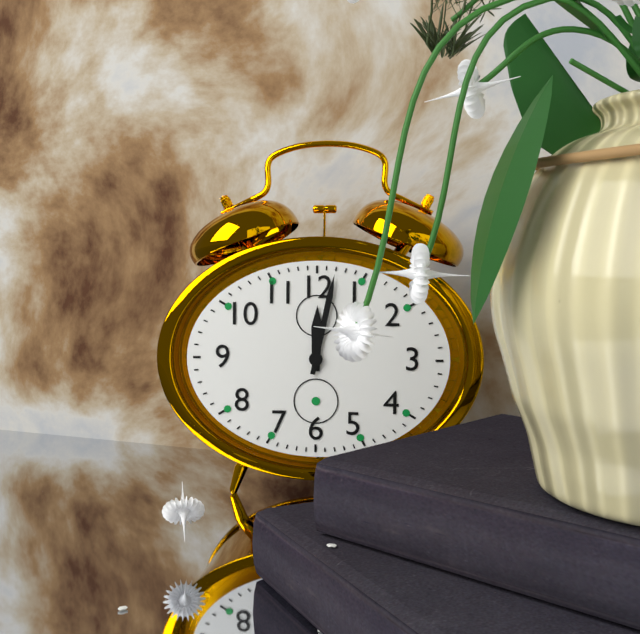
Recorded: 12,02
